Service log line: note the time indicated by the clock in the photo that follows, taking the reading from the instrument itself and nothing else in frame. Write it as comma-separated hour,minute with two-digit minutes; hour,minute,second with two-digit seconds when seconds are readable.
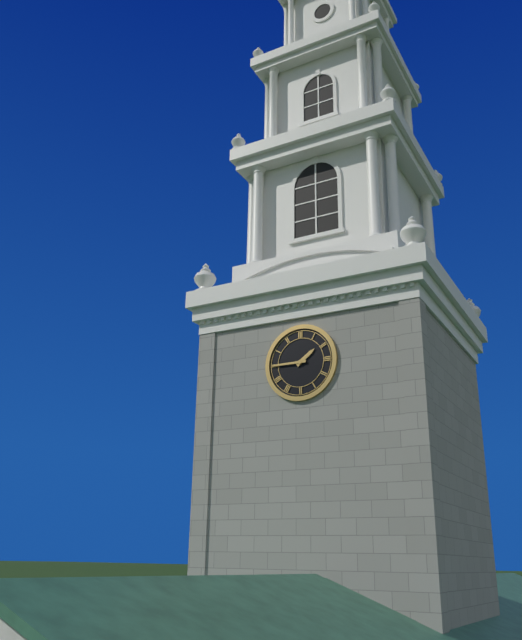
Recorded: 1,45
